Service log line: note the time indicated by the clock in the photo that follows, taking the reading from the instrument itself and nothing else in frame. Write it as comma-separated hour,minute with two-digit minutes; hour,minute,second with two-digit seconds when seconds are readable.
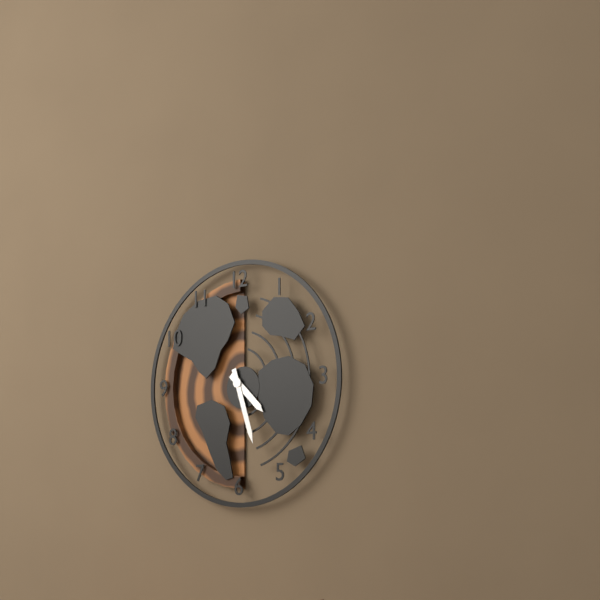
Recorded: 4,27
